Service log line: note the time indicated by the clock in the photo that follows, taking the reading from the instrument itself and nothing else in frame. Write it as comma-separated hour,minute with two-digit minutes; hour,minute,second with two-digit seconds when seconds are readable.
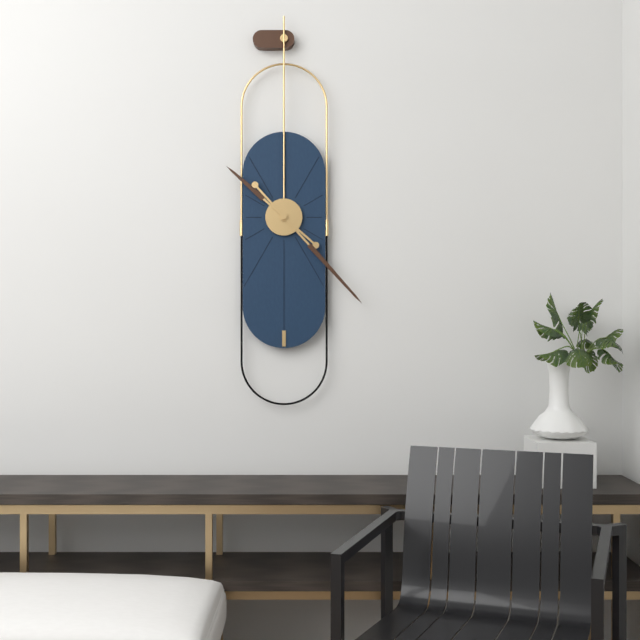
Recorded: 10,23
